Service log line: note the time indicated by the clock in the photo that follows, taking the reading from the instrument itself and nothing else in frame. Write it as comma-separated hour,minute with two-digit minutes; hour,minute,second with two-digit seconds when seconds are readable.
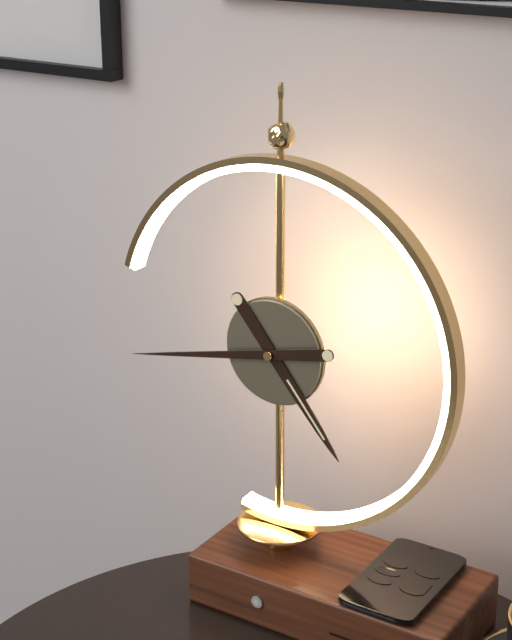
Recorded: 4,43
